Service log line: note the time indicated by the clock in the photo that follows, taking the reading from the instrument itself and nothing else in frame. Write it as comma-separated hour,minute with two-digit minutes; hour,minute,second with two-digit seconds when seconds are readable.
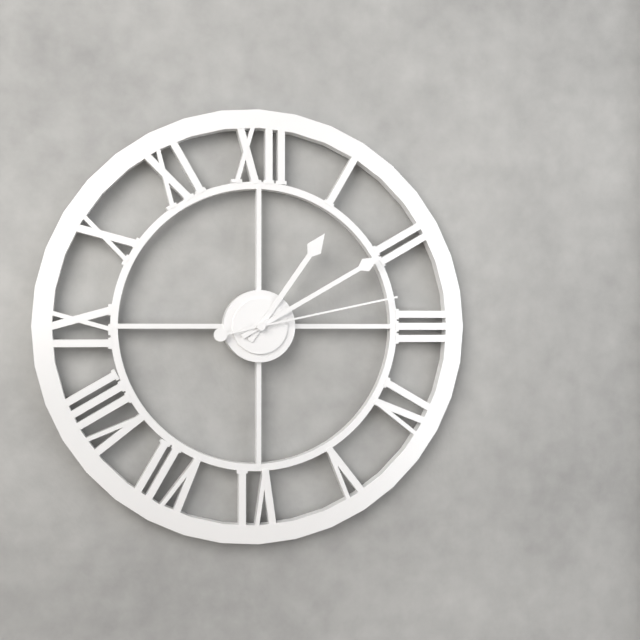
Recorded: 1,10,13
